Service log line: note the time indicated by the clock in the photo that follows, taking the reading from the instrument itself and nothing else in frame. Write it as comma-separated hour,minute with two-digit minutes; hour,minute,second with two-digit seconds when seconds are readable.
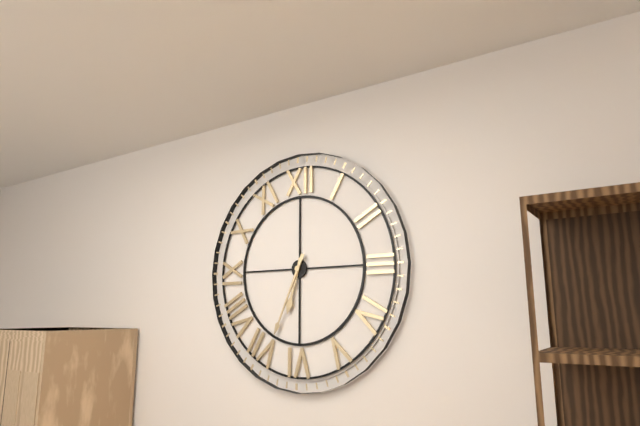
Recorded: 6,34
